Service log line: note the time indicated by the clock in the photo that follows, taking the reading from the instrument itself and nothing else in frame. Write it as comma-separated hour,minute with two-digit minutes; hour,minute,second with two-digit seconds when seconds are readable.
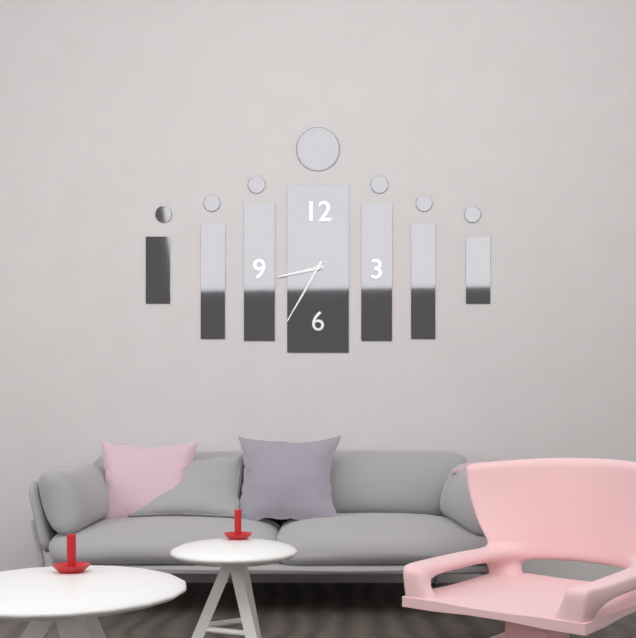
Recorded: 8,35
